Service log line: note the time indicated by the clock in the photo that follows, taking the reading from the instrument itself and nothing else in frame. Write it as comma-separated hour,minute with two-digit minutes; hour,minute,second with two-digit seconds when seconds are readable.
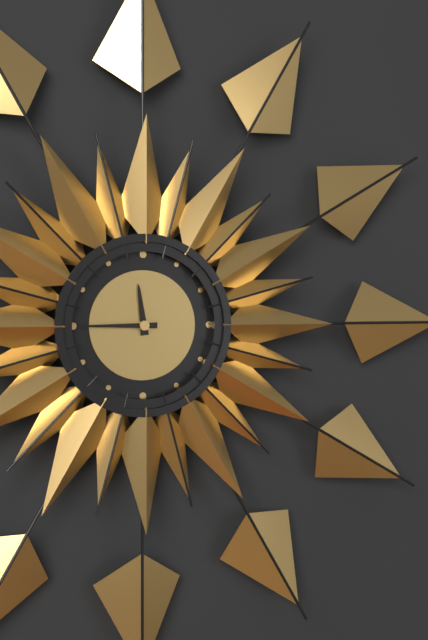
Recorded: 11,45
